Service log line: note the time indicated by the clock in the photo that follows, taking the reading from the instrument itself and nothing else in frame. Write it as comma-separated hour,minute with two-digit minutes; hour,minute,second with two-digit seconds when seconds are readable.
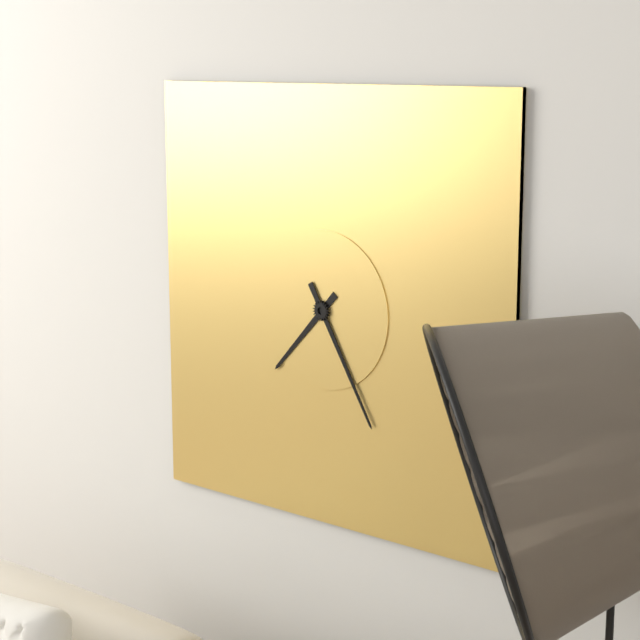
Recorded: 7,25
